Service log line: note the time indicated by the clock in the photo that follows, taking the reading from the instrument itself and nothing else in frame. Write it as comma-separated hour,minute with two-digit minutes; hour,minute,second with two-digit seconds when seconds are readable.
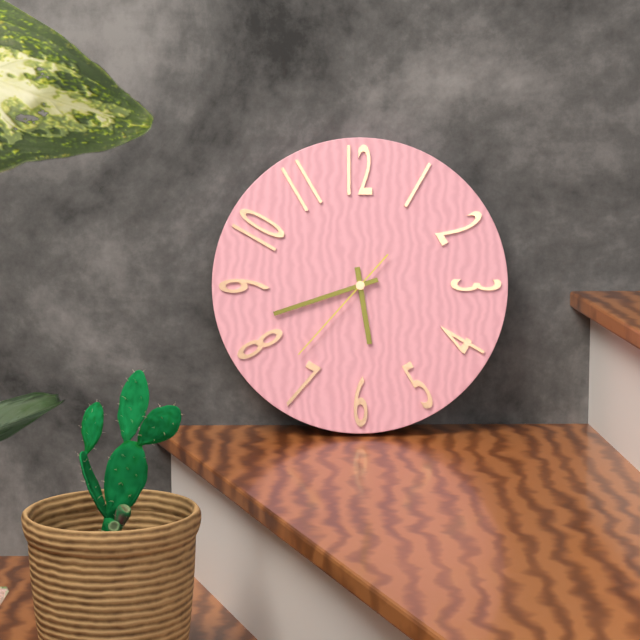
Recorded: 5,42,37
